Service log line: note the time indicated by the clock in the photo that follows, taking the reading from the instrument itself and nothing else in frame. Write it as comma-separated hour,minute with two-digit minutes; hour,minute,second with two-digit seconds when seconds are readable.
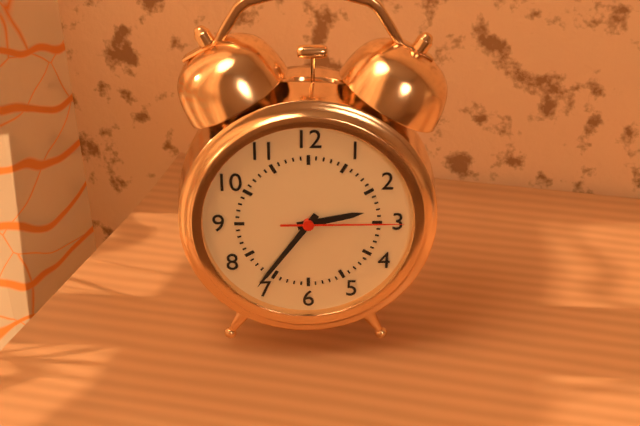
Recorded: 2,36,15
